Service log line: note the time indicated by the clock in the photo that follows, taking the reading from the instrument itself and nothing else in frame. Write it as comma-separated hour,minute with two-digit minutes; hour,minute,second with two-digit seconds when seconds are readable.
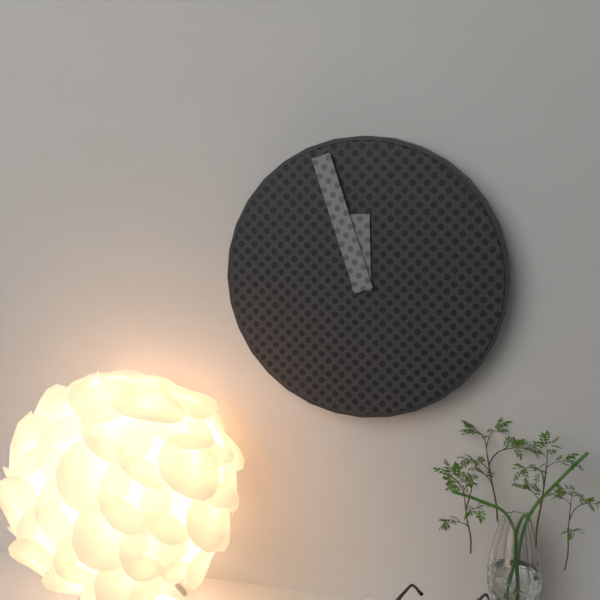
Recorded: 11,57
